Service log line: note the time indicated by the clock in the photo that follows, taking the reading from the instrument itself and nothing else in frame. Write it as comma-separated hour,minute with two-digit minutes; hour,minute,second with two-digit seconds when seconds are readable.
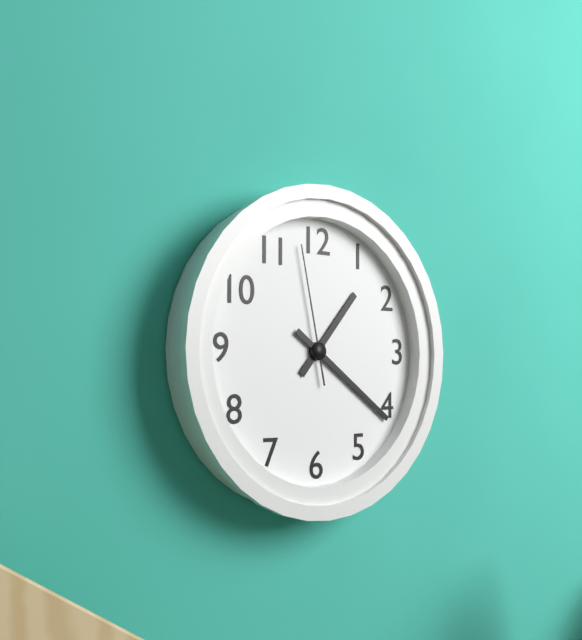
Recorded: 1,21,58
